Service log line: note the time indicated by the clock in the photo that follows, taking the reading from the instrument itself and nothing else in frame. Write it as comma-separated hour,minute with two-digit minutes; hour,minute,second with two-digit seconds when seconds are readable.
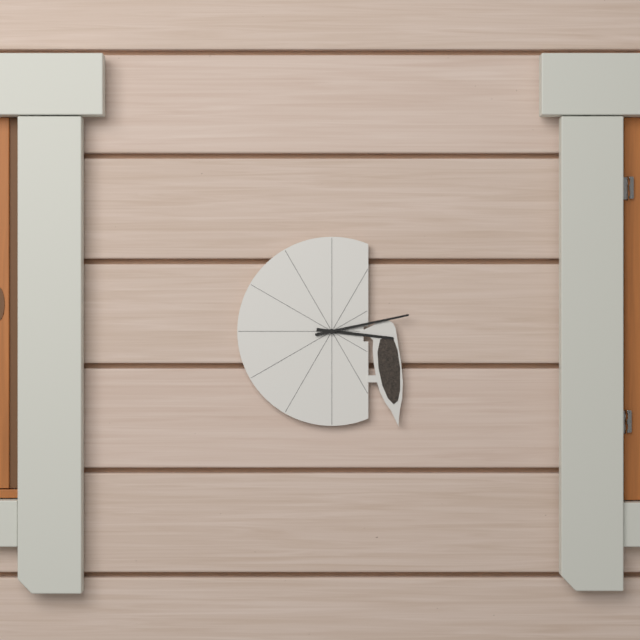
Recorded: 3,13
